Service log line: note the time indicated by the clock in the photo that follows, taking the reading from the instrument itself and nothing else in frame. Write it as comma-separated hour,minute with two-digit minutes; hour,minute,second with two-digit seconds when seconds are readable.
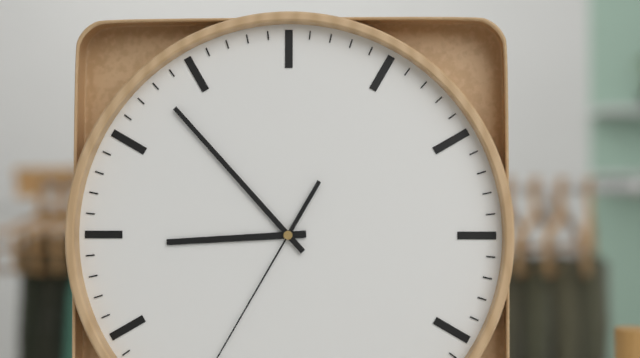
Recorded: 8,53
